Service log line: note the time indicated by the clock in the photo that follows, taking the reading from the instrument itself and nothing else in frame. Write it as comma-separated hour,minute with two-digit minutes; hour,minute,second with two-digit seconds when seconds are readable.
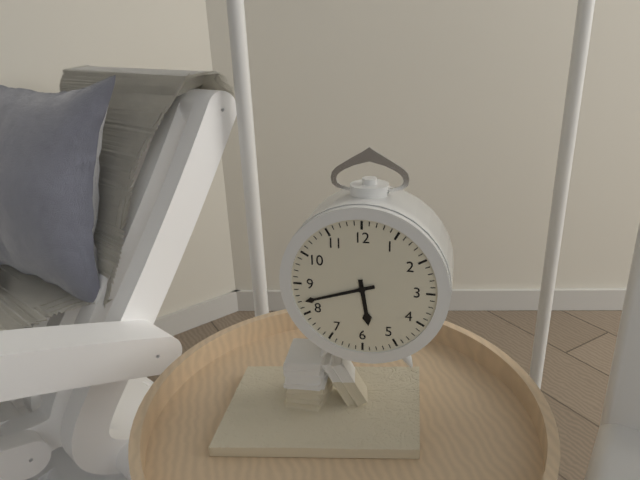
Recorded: 5,42
